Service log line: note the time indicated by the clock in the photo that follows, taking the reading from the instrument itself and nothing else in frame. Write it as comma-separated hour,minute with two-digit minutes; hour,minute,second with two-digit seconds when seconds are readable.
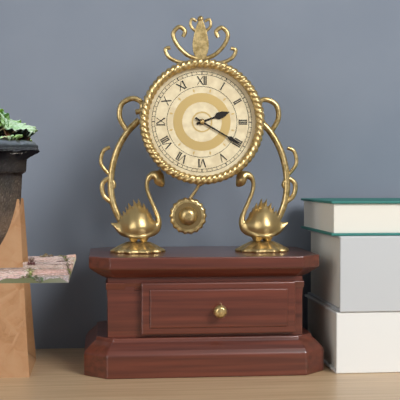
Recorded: 2,20
